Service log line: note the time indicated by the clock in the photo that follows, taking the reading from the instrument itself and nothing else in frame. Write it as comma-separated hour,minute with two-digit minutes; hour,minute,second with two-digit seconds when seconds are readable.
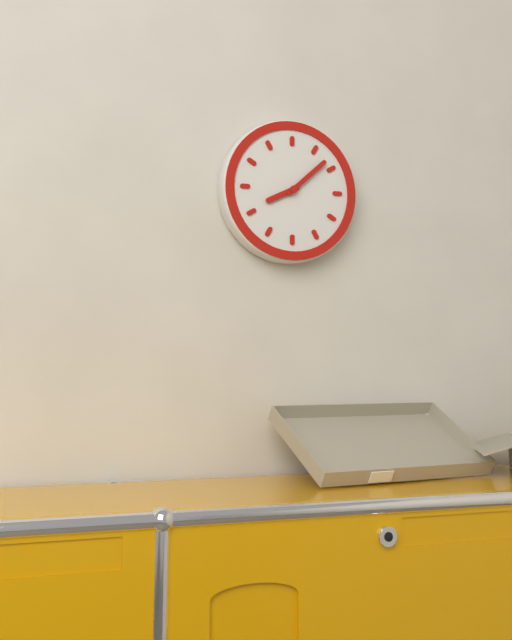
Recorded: 8,08
